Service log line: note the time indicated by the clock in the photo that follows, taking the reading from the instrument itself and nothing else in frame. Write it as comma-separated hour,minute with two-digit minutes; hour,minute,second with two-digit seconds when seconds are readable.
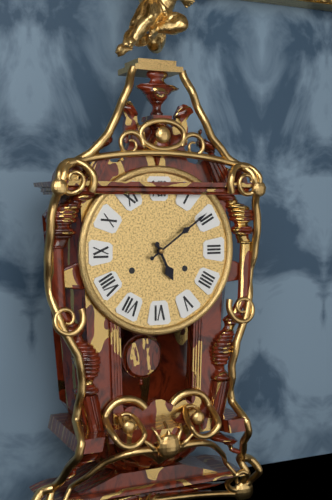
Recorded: 5,09
